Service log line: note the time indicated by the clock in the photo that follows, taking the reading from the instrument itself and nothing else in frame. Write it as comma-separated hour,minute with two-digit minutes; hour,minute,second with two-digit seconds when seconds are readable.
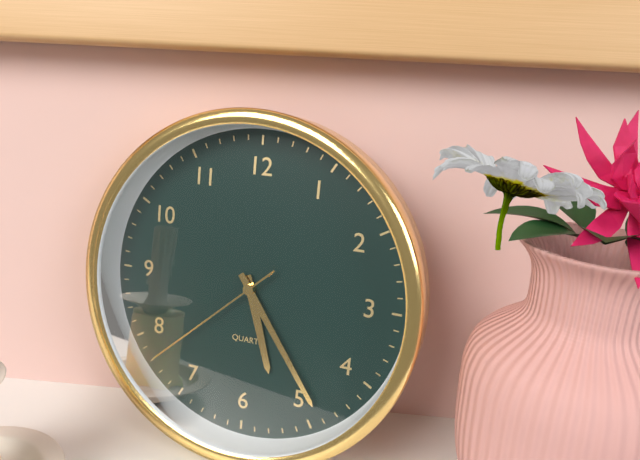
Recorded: 5,24,38
